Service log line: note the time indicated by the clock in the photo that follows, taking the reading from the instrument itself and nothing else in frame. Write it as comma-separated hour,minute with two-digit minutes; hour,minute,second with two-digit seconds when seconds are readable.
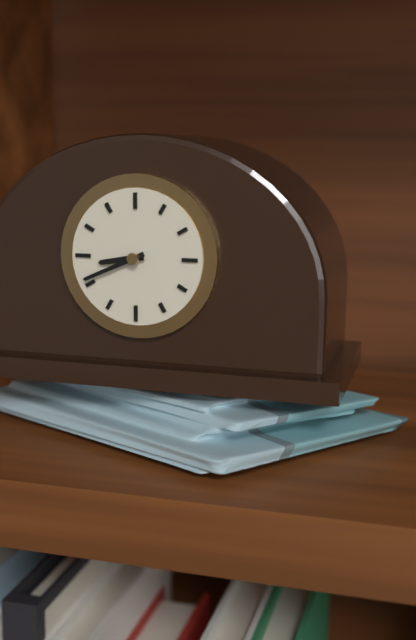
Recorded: 8,41
